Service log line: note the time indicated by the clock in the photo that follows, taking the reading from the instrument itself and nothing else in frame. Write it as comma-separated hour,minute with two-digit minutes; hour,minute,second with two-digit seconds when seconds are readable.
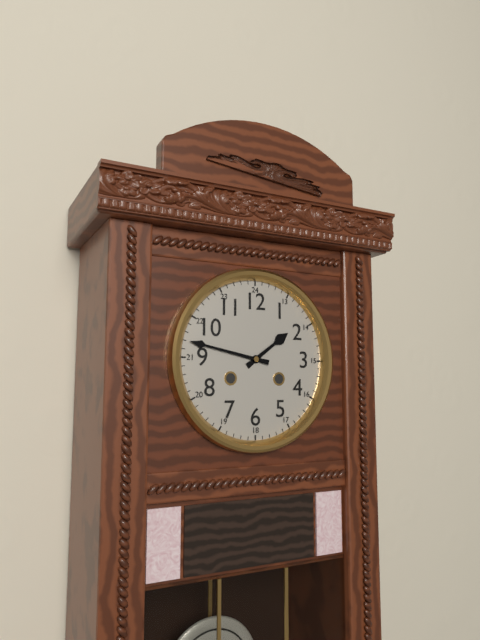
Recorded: 1,47
